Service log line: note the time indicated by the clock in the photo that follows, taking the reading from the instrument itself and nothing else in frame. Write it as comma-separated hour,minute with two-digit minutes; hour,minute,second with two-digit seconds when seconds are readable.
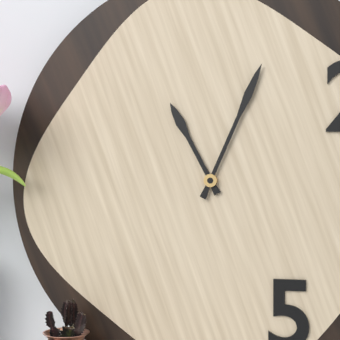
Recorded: 11,04
